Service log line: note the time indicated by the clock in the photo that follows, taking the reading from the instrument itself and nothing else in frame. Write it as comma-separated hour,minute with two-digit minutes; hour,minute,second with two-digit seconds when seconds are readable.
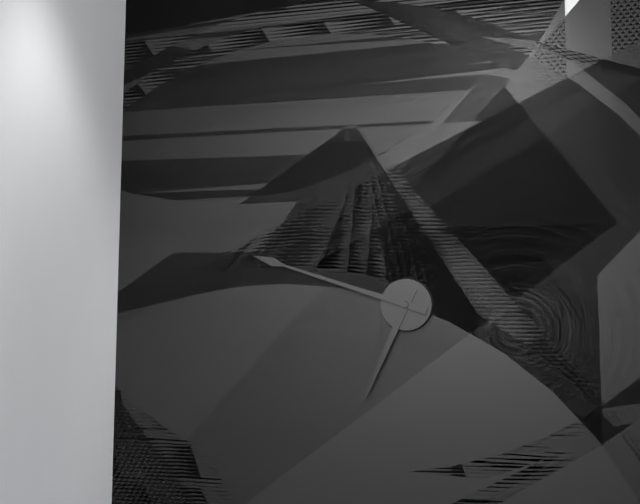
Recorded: 6,48
